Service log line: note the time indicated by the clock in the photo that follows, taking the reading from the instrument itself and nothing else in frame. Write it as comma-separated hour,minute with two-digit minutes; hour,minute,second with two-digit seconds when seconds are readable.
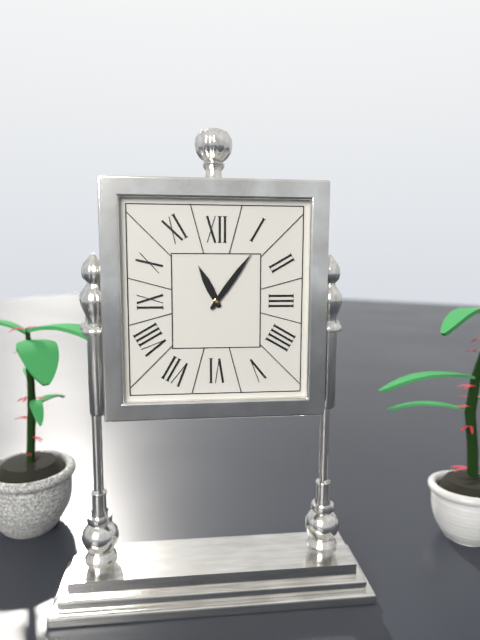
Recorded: 11,06
